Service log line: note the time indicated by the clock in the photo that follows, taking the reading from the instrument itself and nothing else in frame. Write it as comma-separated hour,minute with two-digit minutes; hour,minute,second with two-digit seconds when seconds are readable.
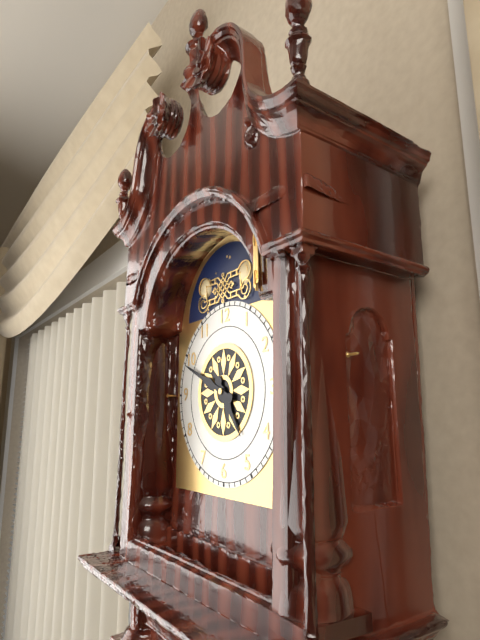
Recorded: 4,49
